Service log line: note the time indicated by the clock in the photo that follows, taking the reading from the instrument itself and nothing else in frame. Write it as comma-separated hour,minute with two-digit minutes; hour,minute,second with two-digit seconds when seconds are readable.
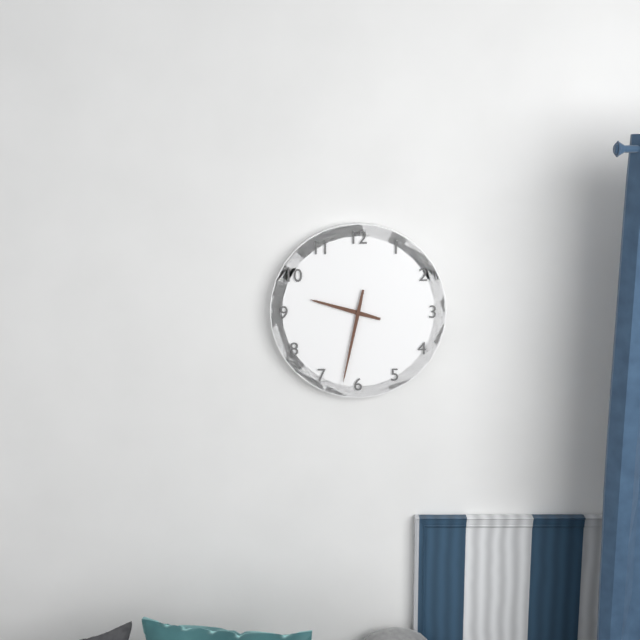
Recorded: 9,32
